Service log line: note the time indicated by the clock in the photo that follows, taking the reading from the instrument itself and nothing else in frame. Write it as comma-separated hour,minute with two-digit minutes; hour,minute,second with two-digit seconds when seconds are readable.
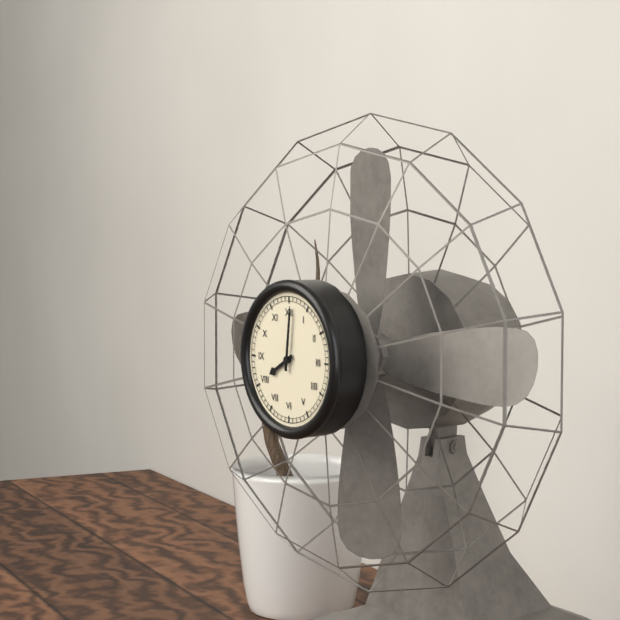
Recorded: 8,01
